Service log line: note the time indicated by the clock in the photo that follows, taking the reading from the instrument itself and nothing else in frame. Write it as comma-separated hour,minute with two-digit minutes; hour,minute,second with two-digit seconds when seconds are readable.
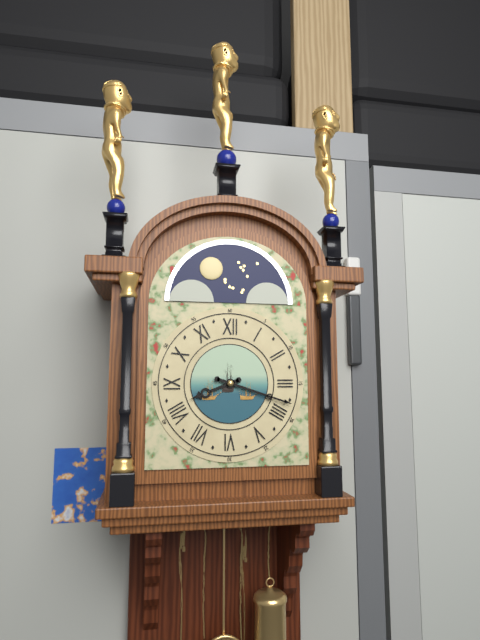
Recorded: 8,18
